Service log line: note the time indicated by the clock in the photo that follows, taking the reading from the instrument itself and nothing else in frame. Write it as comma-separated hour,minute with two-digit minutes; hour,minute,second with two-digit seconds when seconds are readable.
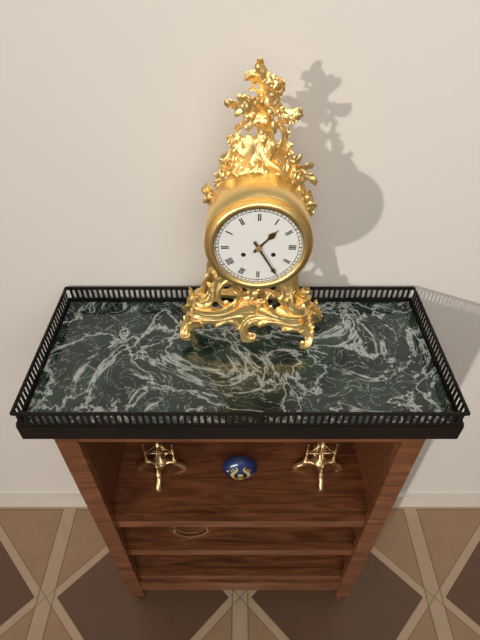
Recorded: 1,25
